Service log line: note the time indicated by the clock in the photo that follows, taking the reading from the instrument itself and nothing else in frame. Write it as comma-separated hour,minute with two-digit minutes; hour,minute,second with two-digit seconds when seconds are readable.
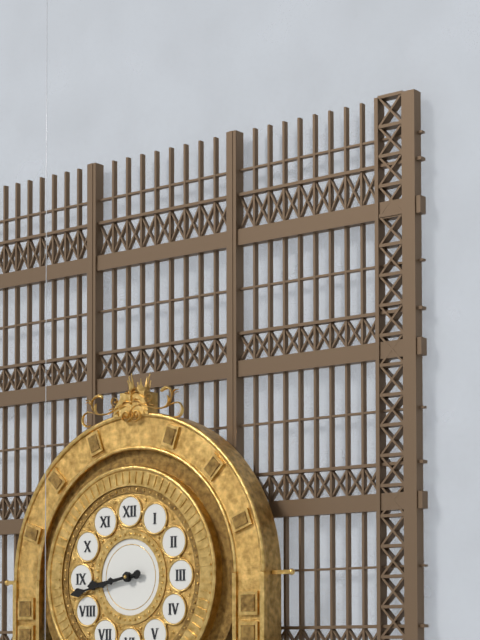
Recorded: 8,43
